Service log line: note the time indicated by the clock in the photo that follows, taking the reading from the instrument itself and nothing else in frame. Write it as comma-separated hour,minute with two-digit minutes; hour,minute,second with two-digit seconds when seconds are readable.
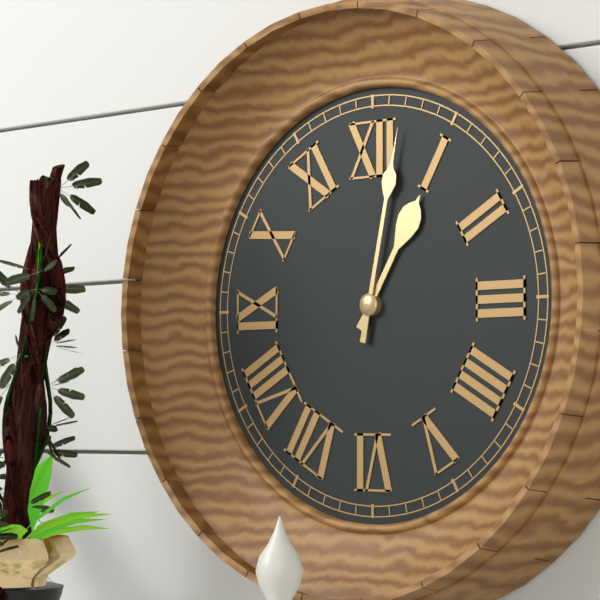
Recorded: 1,02
